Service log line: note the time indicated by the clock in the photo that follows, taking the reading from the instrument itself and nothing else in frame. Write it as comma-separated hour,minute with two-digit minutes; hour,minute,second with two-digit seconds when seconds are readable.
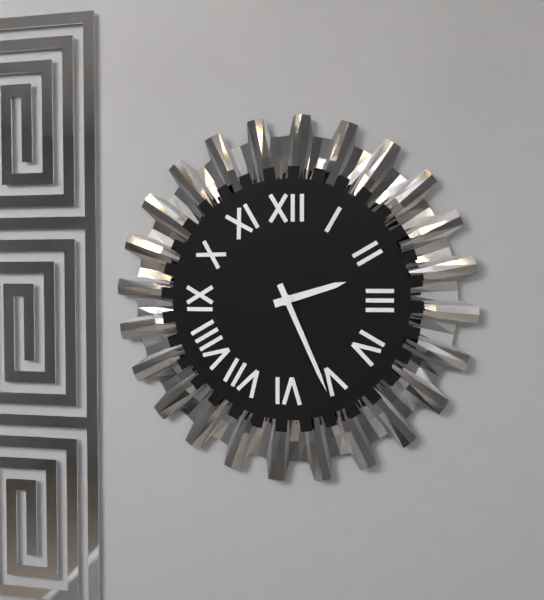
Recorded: 2,26
